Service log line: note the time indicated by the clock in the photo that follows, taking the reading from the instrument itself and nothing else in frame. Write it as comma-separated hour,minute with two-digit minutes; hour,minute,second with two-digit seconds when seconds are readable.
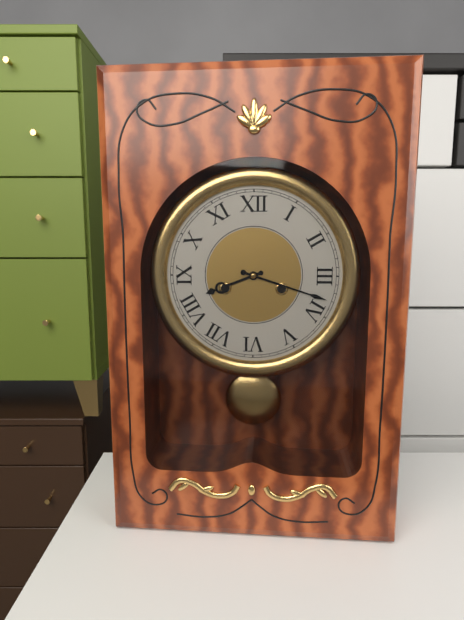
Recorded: 8,18
